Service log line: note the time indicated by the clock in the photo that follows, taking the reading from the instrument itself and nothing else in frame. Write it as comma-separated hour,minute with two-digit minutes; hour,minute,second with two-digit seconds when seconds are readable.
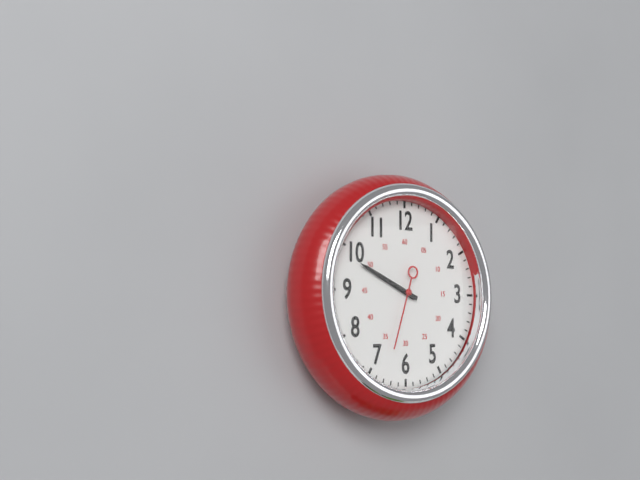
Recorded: 9,49,33
